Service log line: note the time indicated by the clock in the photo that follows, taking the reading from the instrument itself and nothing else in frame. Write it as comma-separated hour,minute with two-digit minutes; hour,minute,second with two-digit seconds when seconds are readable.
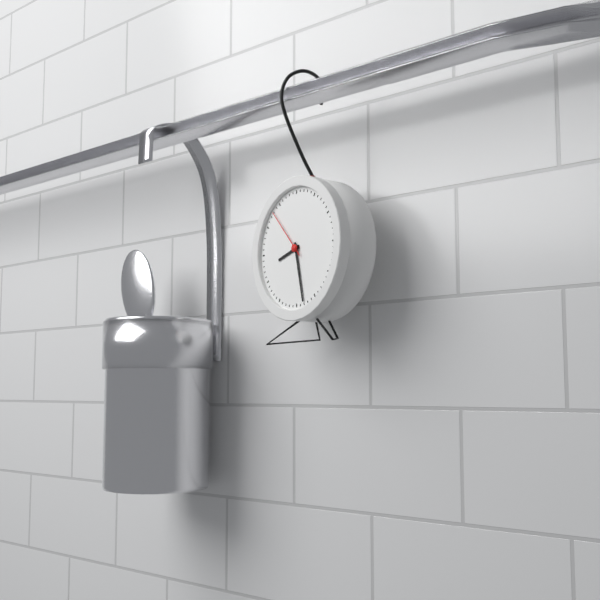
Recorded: 8,28,53
